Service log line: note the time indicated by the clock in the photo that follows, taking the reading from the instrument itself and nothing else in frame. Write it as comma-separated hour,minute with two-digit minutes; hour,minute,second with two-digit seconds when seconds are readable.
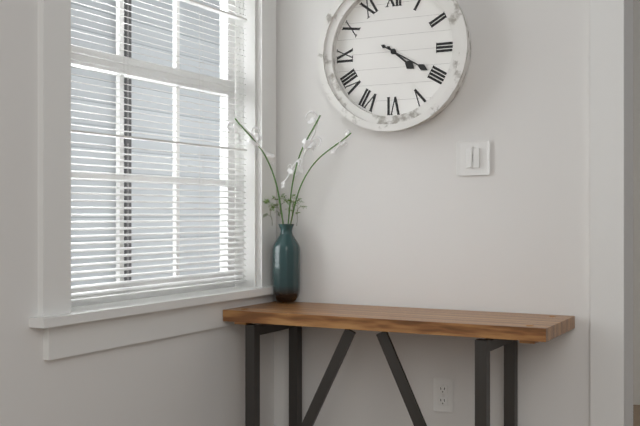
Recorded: 4,20
